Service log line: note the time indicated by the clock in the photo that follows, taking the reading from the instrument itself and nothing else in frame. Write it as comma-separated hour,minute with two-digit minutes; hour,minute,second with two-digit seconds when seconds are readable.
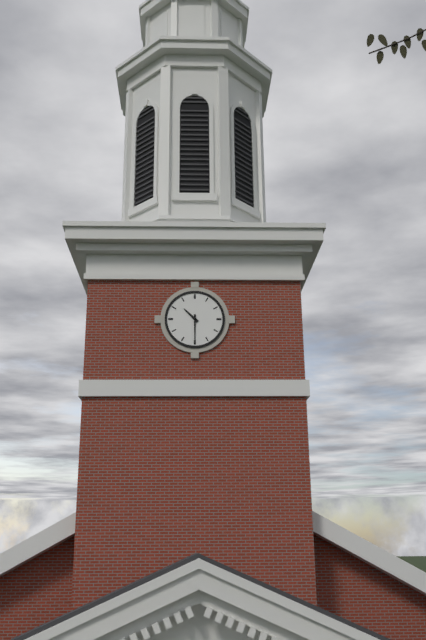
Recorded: 10,30
